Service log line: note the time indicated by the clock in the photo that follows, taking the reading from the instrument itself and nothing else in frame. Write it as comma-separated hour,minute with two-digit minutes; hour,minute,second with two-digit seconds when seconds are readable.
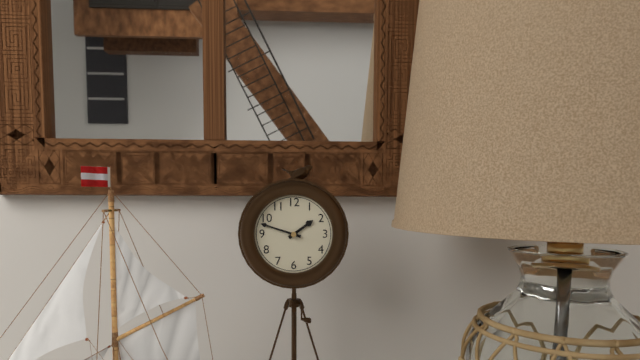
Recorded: 1,48
